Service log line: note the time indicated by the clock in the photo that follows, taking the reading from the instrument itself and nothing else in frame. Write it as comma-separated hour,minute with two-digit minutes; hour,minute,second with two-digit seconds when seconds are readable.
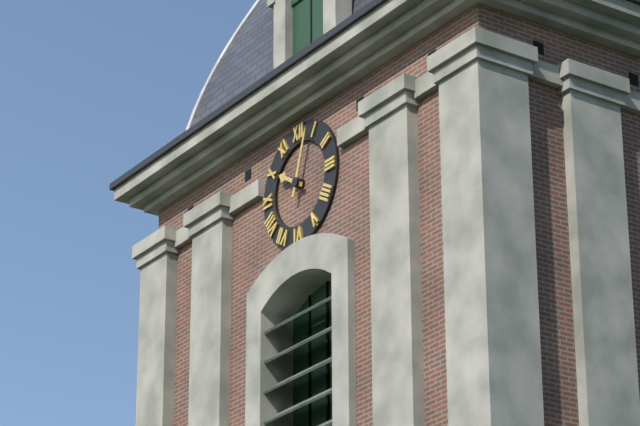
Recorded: 10,03
